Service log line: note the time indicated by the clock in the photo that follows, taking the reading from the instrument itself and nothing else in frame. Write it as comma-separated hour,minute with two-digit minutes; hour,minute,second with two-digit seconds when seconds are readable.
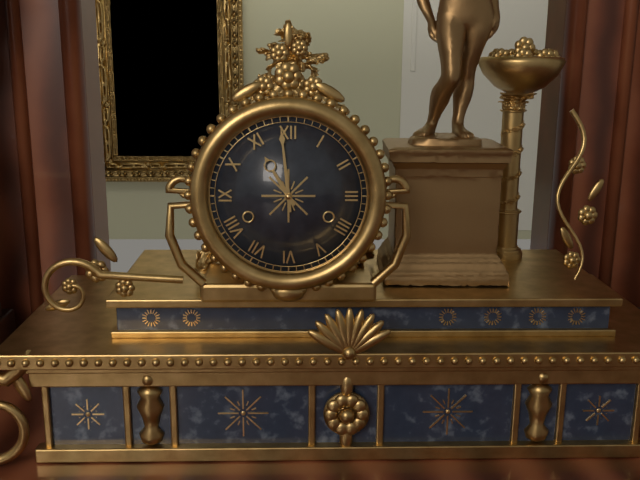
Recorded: 10,59
